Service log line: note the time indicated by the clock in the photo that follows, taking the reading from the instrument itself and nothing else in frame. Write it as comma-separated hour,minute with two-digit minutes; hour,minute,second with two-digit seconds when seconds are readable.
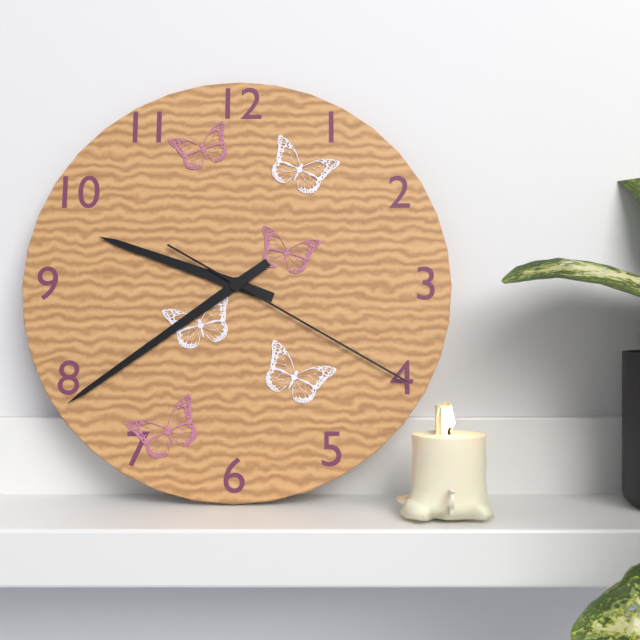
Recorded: 9,39,20
